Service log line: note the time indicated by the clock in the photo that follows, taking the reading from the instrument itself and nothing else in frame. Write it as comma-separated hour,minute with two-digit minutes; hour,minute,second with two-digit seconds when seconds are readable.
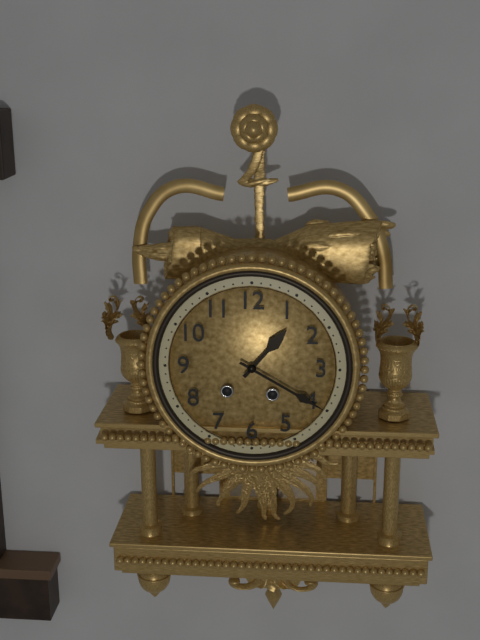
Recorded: 1,20
